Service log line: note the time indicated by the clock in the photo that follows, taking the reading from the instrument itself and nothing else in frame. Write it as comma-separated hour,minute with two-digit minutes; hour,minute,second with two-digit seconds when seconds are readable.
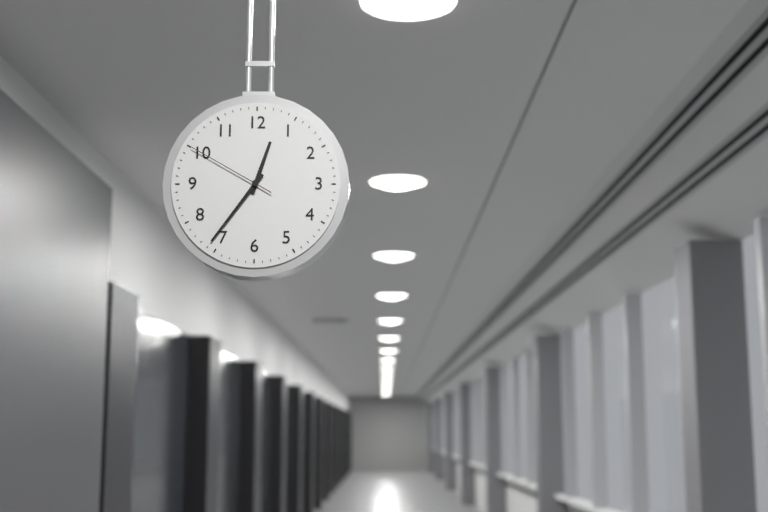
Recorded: 12,36,50
